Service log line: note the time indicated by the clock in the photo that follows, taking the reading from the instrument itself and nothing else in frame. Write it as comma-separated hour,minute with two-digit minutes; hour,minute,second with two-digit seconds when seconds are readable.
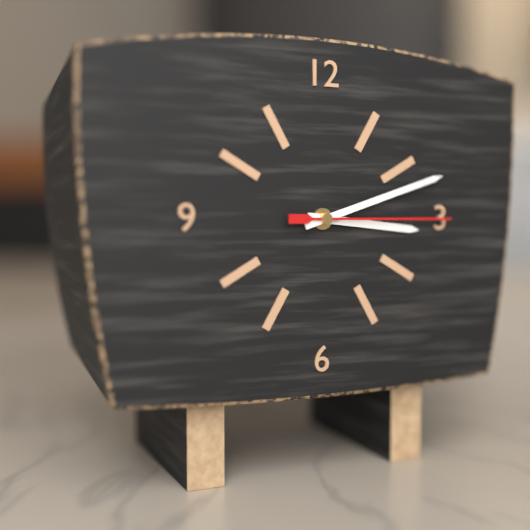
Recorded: 3,12,15
